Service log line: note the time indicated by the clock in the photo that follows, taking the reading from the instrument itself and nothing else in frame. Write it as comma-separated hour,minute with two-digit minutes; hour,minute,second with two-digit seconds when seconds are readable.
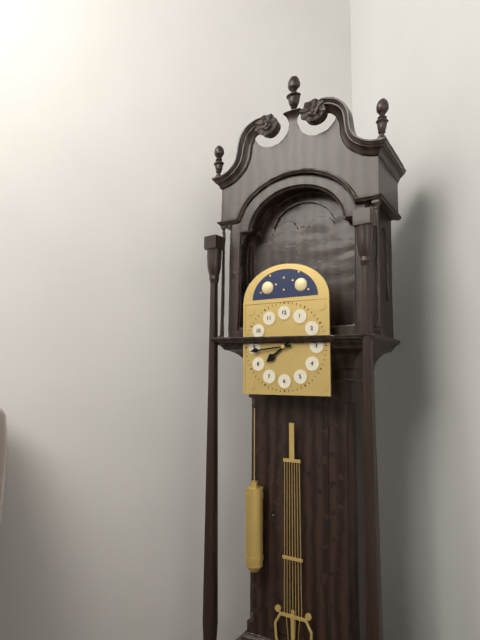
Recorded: 7,44
